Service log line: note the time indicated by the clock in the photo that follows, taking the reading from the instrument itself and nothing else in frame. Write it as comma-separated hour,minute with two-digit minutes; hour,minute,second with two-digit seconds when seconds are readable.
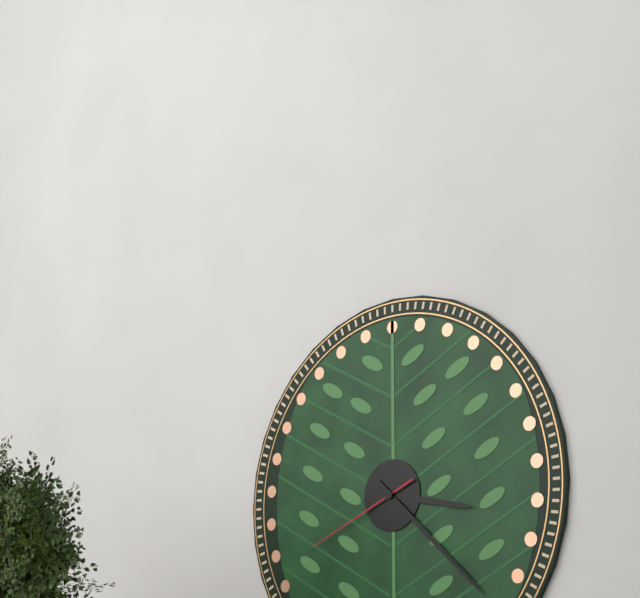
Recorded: 3,22,41
